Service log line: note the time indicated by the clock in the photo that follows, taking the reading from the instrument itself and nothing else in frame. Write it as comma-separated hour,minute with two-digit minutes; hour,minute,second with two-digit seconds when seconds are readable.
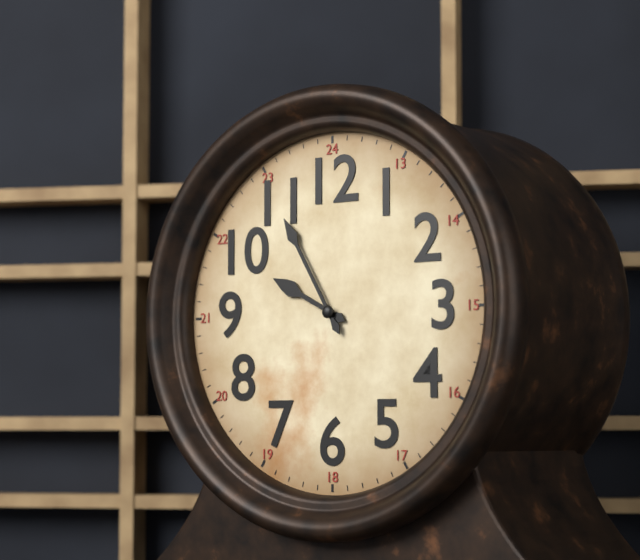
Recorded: 9,55
